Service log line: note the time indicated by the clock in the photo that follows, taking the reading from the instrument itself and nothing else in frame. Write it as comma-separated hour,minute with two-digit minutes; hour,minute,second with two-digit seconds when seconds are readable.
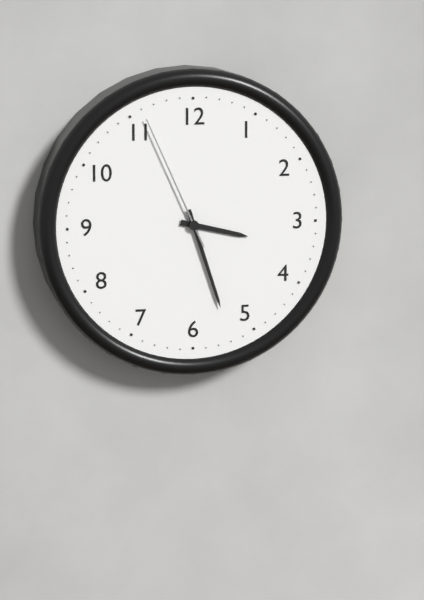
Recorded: 3,27,56
